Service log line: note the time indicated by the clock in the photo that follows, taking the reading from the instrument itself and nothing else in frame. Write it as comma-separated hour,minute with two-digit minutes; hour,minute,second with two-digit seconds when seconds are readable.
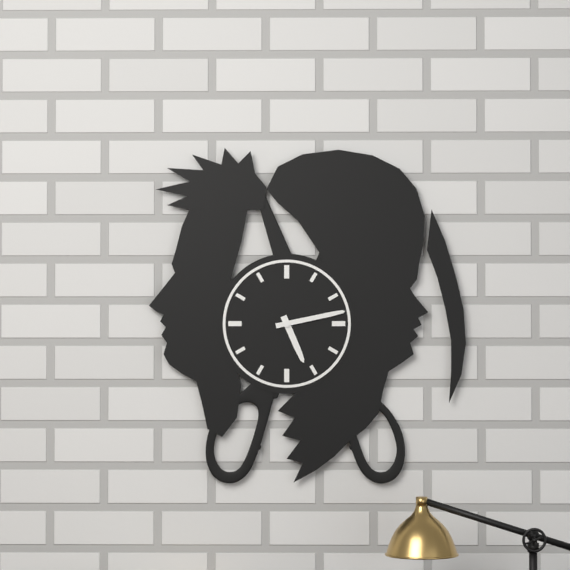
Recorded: 5,13
